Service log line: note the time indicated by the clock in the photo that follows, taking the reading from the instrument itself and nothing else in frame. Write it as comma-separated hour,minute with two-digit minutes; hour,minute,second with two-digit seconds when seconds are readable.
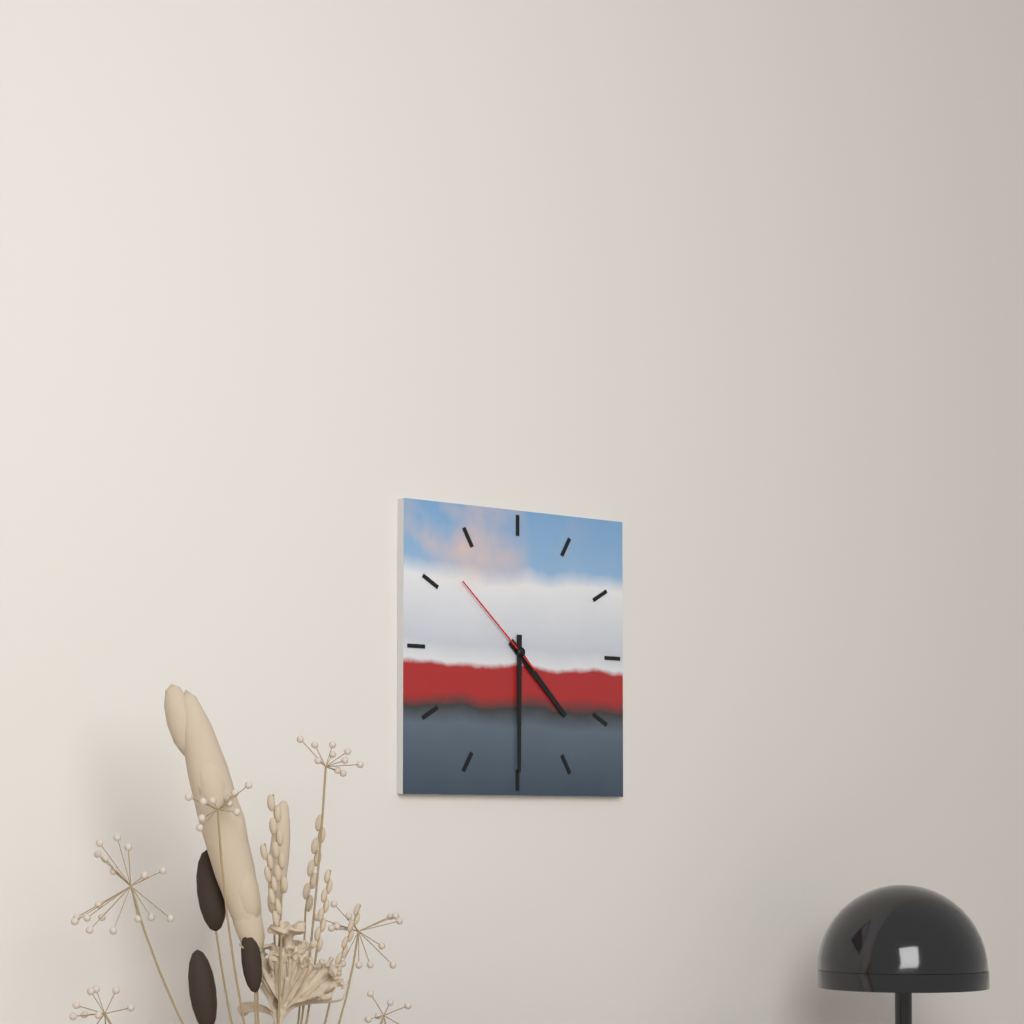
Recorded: 4,30,52
